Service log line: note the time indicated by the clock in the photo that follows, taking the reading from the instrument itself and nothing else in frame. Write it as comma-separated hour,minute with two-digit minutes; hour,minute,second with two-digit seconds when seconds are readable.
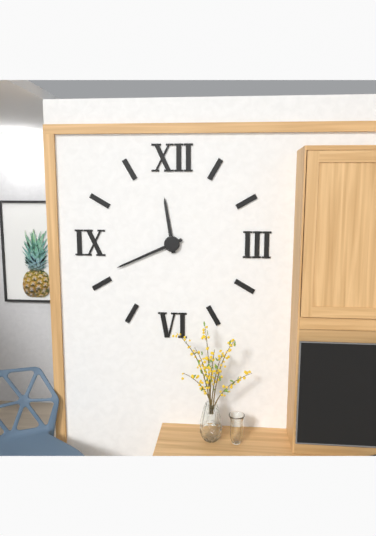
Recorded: 11,41
